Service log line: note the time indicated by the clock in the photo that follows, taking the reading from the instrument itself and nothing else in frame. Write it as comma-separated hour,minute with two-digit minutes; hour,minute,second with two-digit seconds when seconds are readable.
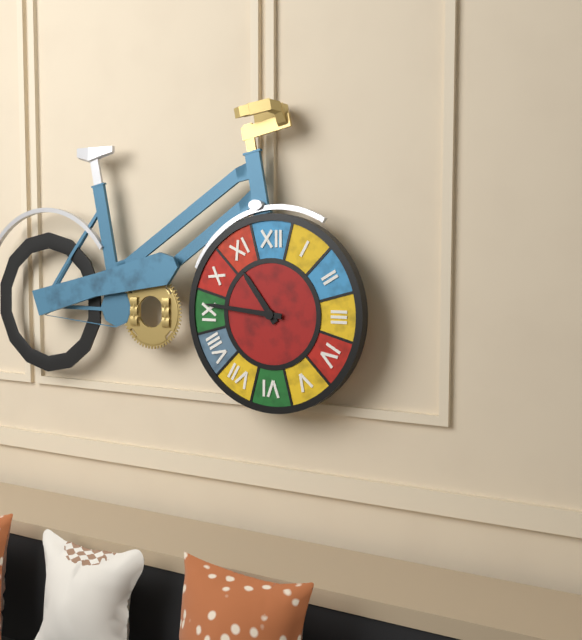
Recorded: 10,46
